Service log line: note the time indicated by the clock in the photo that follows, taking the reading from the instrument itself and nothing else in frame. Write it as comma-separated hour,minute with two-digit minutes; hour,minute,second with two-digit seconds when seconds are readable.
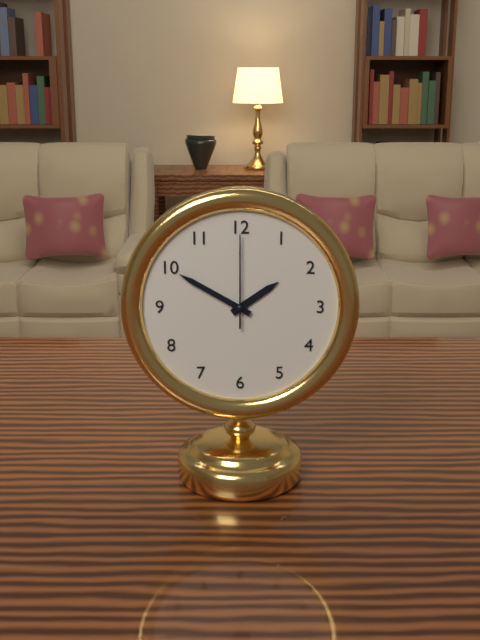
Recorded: 1,50,00
